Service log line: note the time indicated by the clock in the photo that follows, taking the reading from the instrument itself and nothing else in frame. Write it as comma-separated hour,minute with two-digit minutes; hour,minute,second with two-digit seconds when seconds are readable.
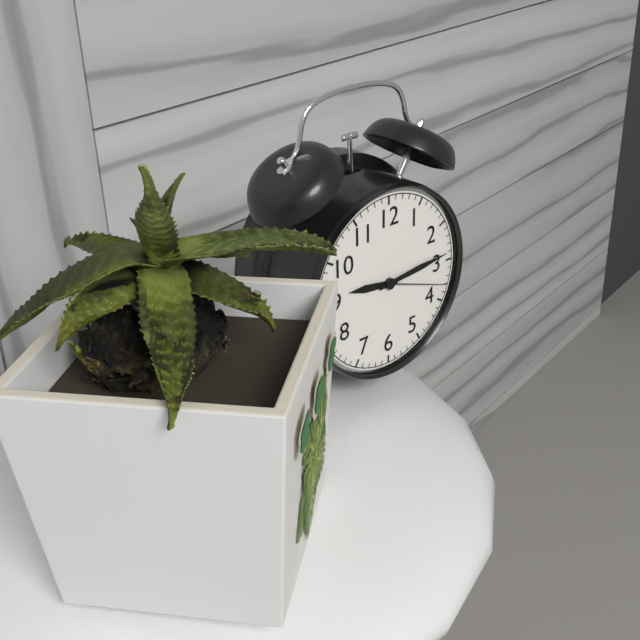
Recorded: 9,14,18
